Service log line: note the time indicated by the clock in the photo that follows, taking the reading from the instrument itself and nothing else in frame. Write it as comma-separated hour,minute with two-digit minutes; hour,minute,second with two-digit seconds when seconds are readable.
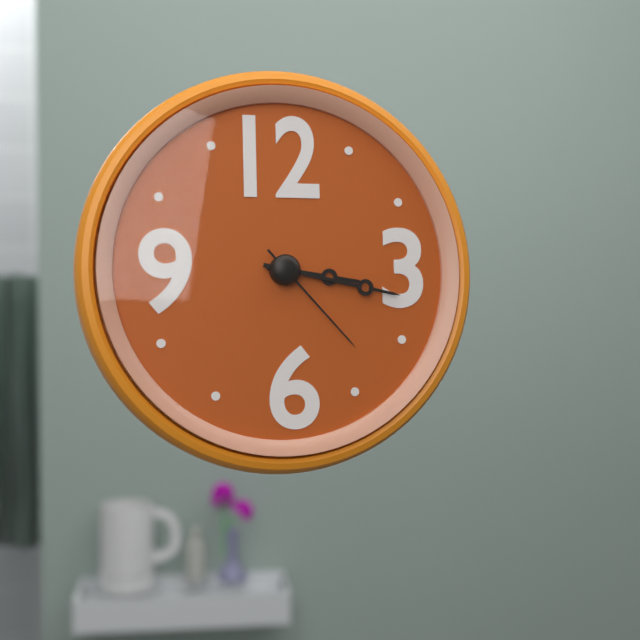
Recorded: 3,17,23
